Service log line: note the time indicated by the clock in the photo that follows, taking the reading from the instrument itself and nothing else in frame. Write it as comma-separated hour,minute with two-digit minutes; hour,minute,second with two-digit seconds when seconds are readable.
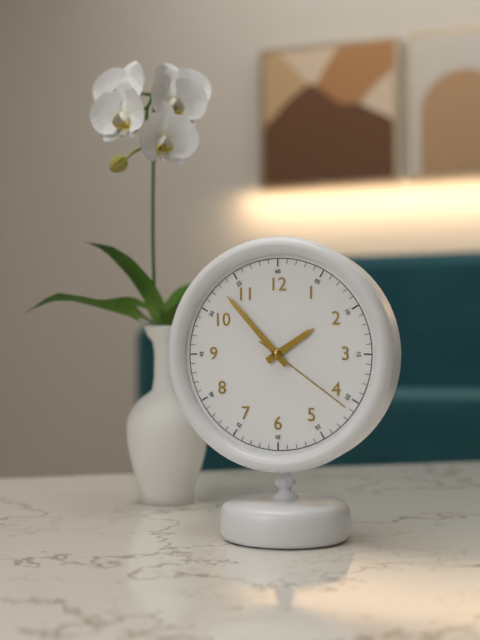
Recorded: 1,53,21
